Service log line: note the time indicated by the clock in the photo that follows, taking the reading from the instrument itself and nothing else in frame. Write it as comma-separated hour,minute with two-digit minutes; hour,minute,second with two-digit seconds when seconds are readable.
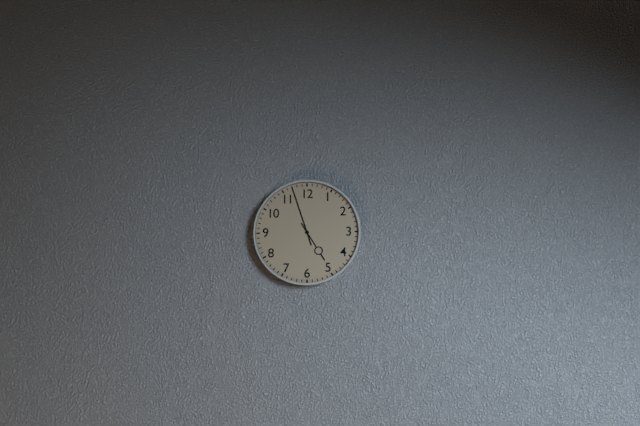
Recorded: 4,57
